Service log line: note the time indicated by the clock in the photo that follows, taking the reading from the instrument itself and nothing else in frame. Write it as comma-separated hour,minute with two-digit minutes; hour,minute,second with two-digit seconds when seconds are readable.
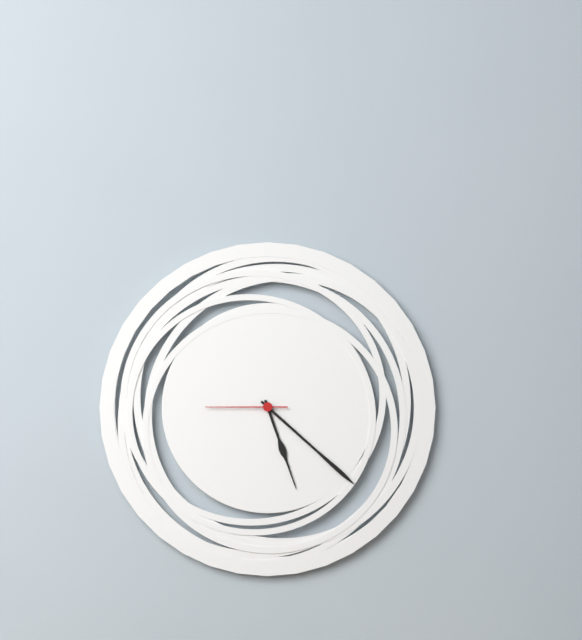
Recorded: 5,22,45
